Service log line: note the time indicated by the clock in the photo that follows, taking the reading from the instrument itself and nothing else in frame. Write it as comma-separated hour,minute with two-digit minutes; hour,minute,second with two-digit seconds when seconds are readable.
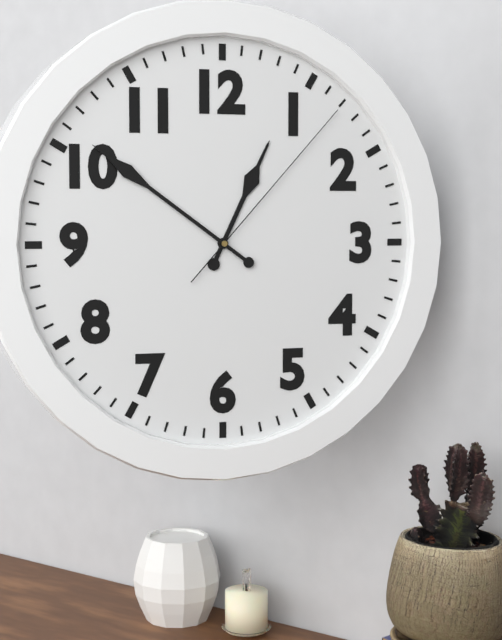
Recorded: 12,51,07
